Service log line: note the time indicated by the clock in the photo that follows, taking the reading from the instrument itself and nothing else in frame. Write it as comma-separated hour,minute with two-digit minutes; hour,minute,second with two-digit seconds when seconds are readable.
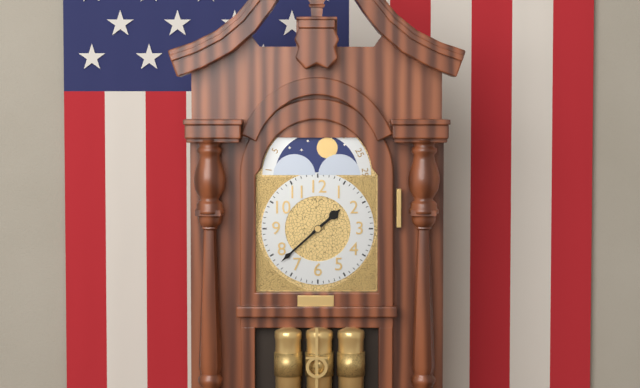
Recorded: 1,38
